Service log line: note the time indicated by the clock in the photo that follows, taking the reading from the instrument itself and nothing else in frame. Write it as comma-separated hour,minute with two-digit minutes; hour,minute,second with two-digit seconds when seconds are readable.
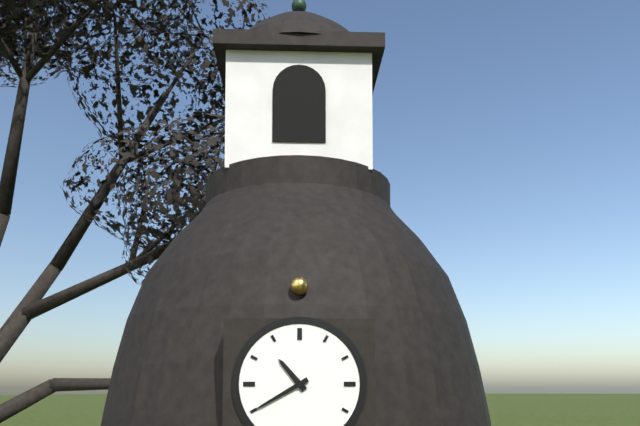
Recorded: 10,40
